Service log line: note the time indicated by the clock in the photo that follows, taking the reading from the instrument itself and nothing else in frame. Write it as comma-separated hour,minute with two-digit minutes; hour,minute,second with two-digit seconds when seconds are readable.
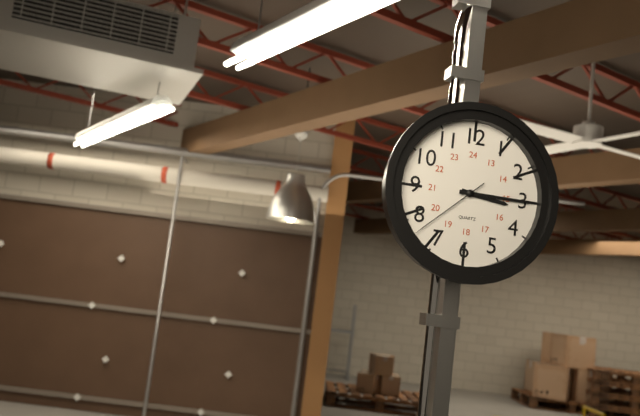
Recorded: 3,15,38
